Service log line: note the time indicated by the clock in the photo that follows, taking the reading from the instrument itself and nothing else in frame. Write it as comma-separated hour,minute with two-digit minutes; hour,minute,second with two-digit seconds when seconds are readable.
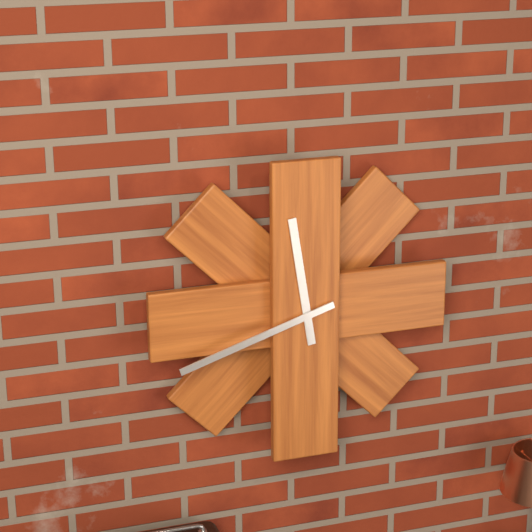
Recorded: 11,42
